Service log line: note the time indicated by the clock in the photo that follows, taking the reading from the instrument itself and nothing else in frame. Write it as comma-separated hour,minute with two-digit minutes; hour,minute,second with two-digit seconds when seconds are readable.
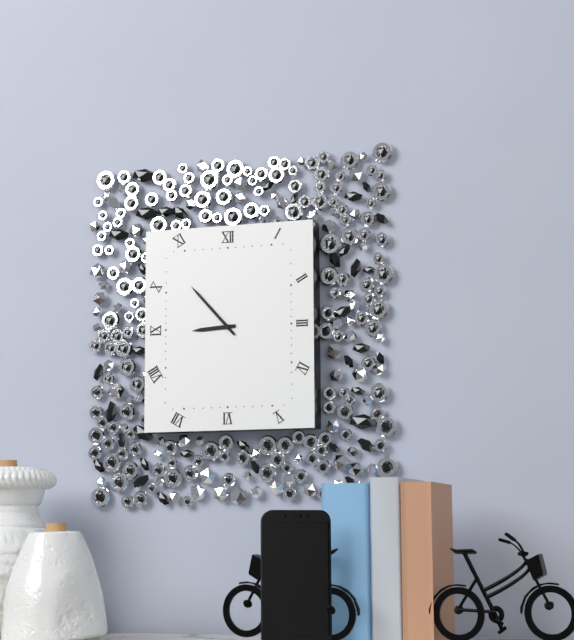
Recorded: 8,53
